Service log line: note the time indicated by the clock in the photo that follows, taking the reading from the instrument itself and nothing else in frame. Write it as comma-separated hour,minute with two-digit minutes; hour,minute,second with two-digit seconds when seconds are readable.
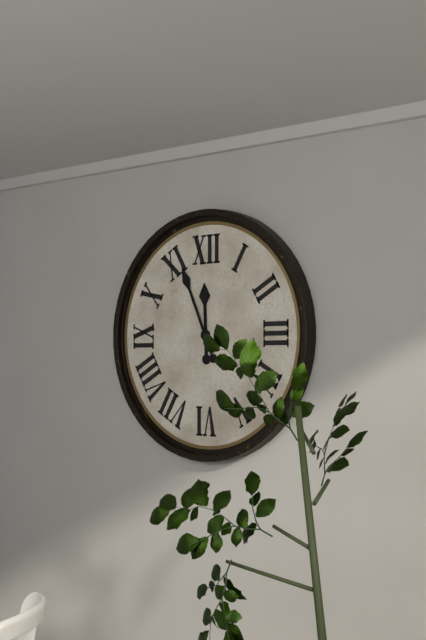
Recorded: 11,56
